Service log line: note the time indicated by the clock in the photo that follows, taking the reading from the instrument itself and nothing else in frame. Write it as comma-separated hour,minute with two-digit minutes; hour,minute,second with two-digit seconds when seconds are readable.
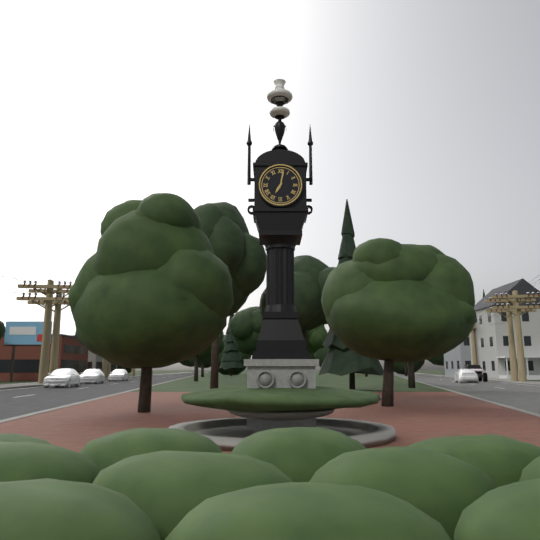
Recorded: 7,02
